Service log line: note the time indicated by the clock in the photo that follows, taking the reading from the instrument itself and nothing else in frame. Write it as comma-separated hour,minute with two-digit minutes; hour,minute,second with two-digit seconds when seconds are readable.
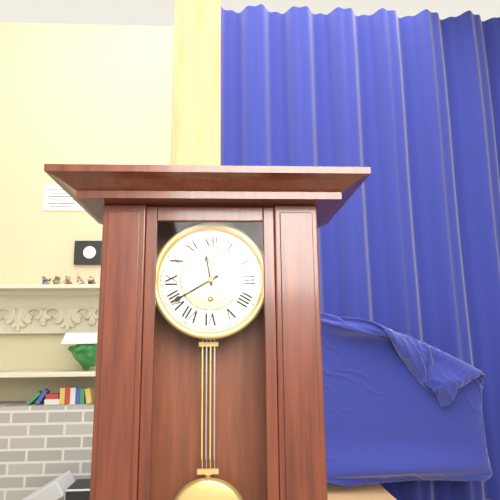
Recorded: 11,40
